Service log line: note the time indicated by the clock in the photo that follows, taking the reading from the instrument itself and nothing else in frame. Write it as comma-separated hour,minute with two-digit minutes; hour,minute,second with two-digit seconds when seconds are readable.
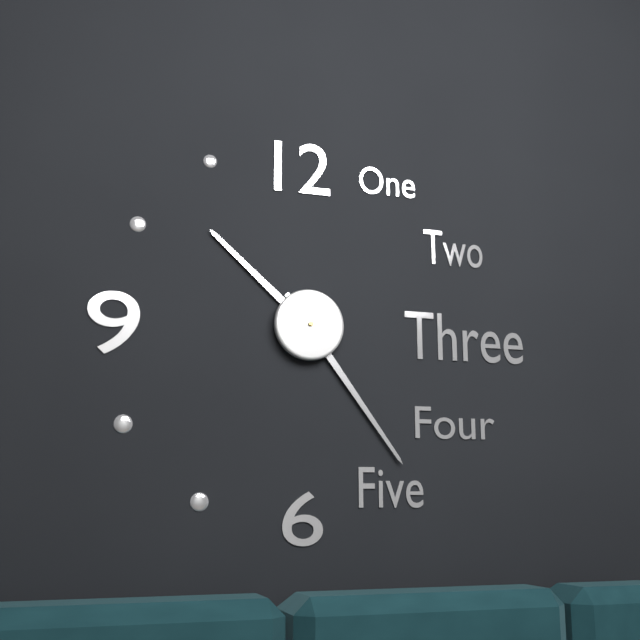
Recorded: 10,24
